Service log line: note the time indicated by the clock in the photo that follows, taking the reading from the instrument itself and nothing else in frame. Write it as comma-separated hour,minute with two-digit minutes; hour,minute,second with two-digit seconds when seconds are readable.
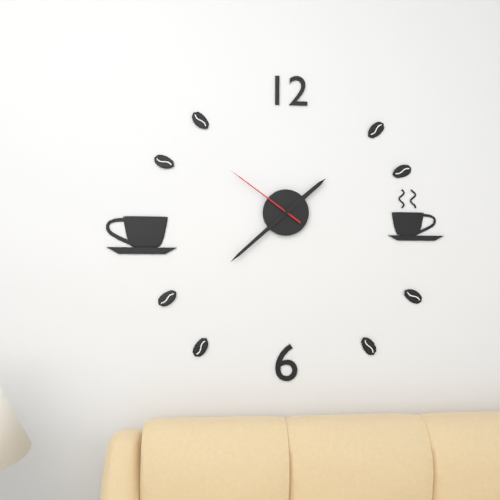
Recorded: 1,38,51
